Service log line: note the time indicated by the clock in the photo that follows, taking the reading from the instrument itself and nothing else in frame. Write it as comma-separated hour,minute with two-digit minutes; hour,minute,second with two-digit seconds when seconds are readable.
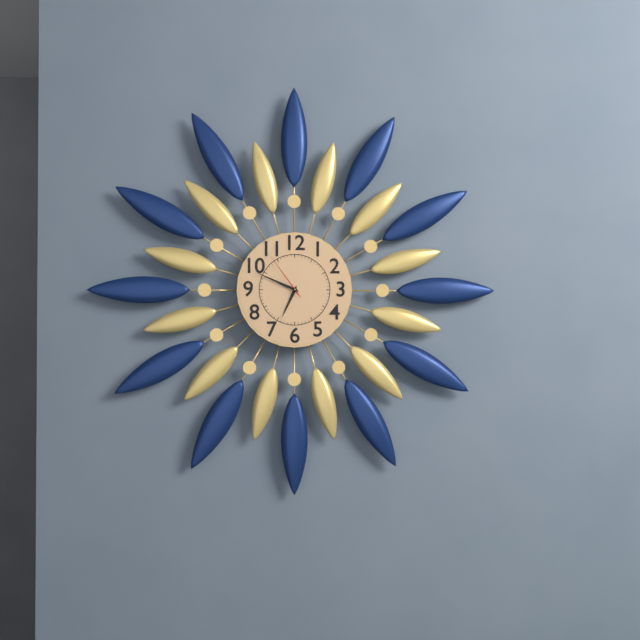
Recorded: 6,49,54
